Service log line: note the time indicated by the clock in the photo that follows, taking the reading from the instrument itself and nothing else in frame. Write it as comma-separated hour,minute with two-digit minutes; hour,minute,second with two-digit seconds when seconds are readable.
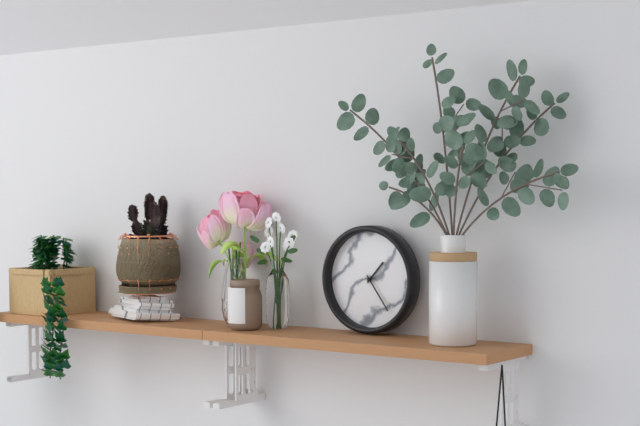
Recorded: 1,24
